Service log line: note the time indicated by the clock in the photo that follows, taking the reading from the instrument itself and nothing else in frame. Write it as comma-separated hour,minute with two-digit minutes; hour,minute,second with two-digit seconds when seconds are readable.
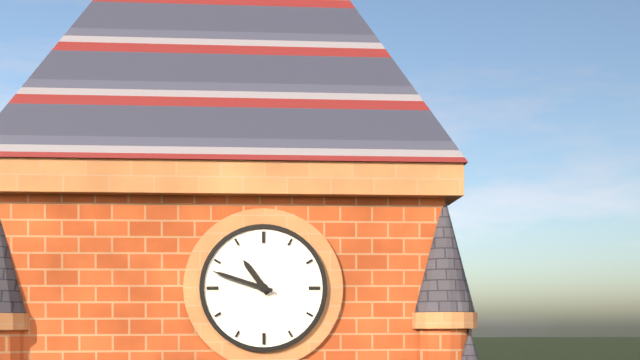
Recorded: 10,48
